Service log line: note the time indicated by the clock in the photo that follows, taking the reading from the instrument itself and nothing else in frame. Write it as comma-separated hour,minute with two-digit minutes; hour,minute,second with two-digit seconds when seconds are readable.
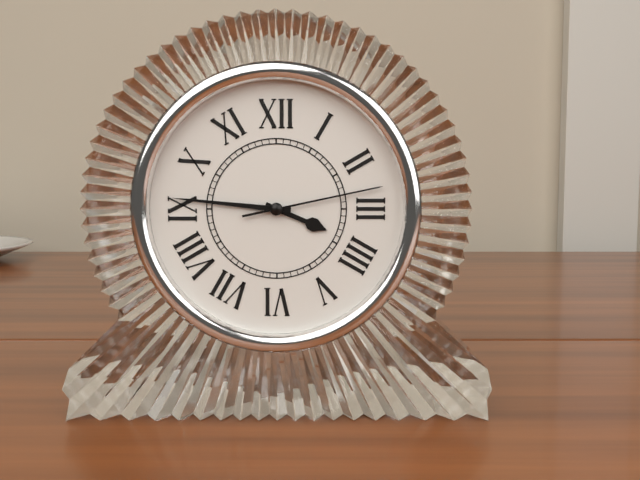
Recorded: 3,46,13
